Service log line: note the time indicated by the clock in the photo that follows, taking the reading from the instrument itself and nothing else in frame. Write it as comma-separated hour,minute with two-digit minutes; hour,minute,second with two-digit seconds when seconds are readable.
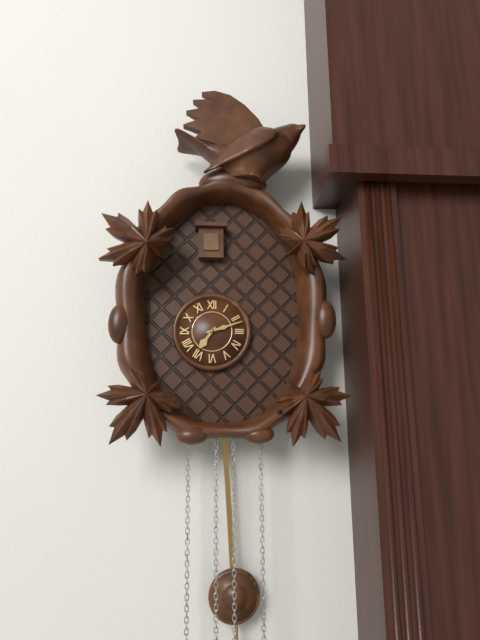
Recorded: 7,12
